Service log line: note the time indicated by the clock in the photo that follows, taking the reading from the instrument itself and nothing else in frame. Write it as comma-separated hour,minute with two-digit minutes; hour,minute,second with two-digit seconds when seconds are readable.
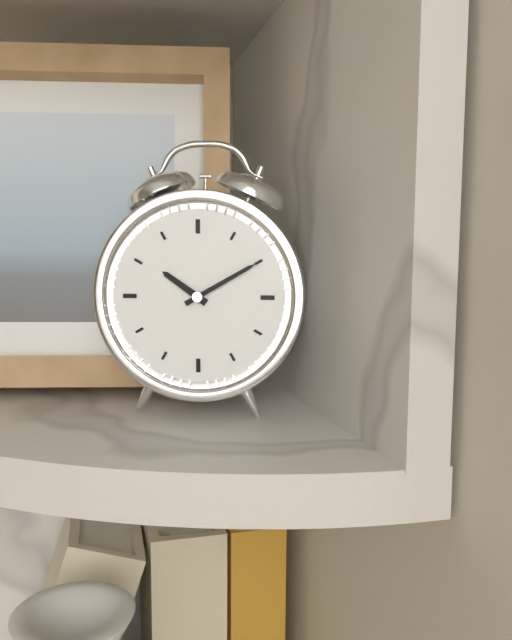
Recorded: 10,10
